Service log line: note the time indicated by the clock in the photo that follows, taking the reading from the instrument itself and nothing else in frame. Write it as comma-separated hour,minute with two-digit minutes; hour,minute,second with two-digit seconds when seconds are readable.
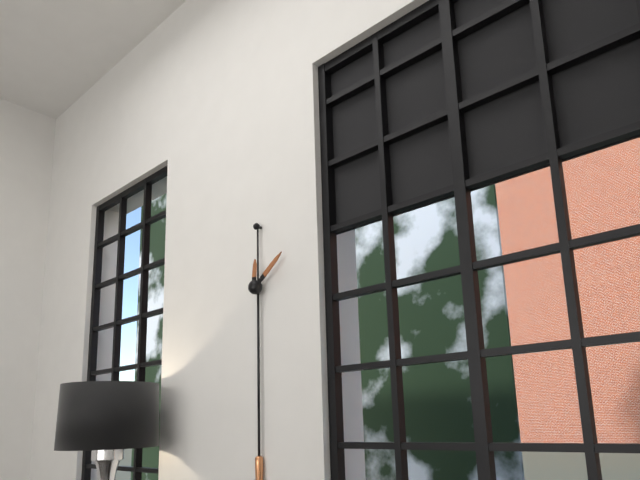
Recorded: 12,09
